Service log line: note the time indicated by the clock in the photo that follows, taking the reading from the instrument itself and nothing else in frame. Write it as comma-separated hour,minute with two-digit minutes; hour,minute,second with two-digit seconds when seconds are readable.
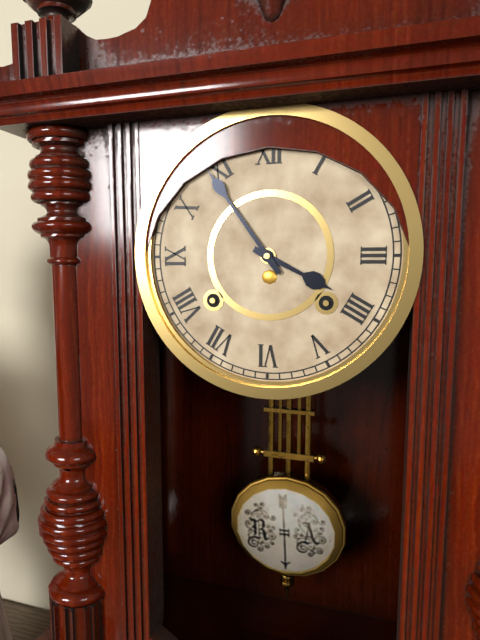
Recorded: 3,54
